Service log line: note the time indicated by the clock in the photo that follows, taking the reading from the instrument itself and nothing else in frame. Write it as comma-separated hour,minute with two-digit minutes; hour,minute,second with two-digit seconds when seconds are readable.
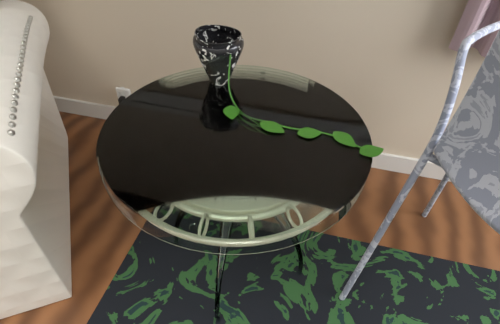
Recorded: 6,27
